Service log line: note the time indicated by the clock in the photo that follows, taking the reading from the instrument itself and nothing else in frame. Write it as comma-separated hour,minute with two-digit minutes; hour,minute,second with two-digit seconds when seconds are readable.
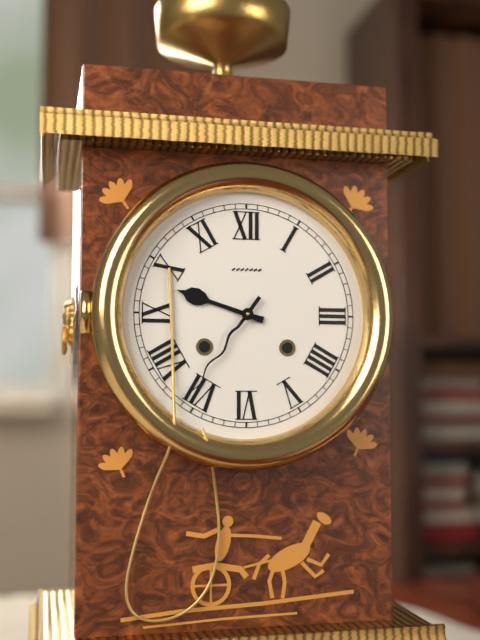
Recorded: 9,36
